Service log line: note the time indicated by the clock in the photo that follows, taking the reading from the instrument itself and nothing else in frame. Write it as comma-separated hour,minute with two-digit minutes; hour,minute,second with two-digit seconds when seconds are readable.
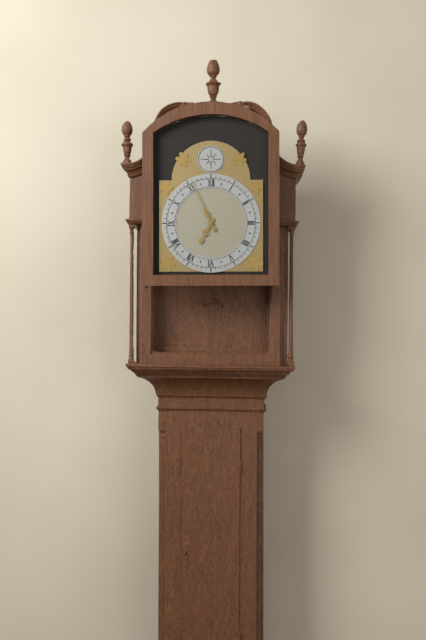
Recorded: 6,56
